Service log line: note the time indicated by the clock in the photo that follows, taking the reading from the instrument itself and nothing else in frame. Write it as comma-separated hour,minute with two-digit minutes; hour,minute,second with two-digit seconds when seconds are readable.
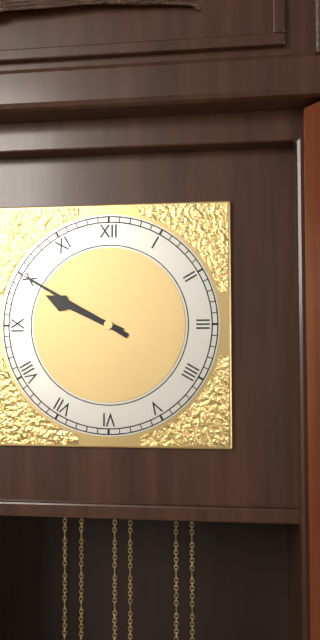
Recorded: 9,50
